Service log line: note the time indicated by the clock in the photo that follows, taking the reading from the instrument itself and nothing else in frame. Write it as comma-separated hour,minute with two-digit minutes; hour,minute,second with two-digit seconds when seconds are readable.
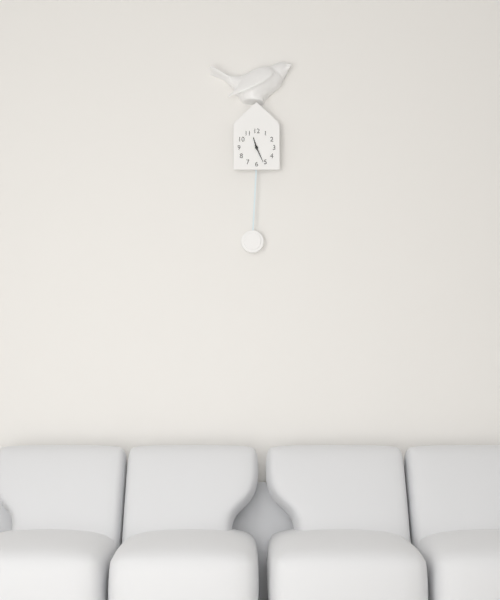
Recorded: 11,26
